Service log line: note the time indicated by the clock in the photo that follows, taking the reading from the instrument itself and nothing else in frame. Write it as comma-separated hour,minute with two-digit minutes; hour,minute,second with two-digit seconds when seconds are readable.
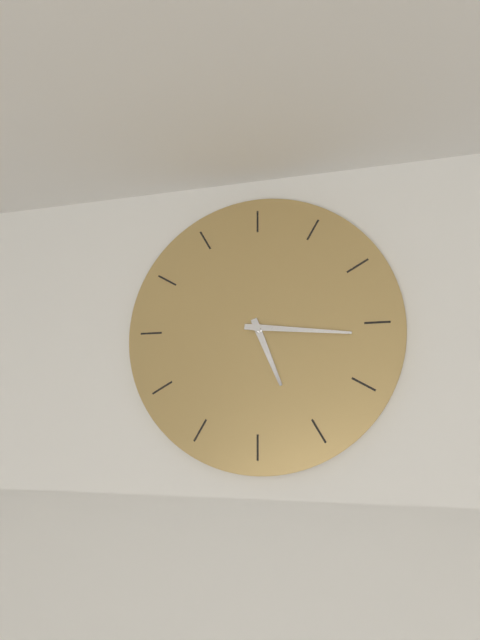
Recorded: 5,16
